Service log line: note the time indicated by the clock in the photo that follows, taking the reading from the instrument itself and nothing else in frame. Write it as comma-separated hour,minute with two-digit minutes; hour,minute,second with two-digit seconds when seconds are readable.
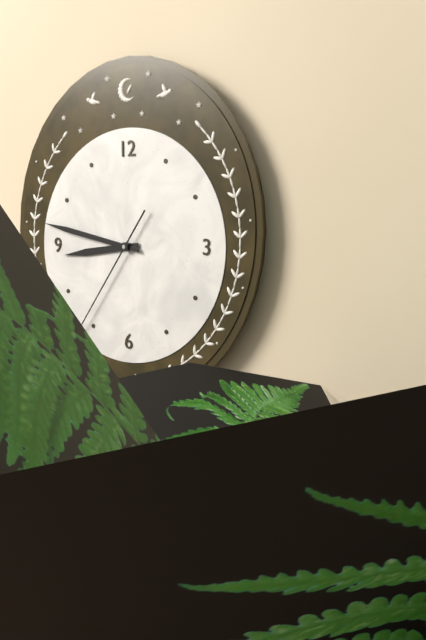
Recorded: 8,47,36
